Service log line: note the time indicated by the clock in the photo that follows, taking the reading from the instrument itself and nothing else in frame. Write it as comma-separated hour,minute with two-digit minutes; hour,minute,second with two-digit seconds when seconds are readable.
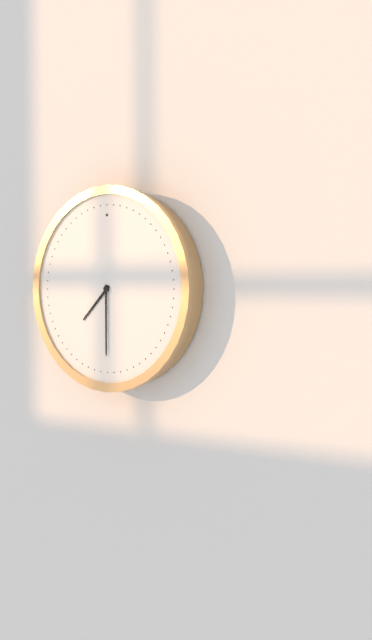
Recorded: 7,30
